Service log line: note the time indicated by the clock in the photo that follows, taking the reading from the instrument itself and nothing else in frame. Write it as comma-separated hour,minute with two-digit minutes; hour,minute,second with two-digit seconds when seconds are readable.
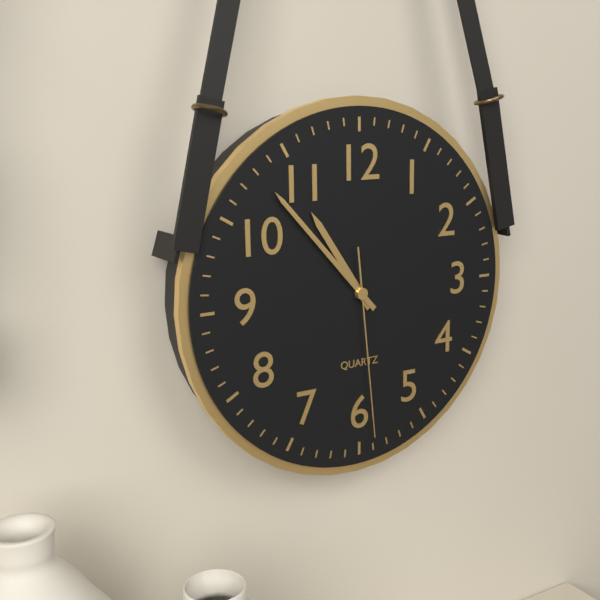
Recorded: 10,53,29
